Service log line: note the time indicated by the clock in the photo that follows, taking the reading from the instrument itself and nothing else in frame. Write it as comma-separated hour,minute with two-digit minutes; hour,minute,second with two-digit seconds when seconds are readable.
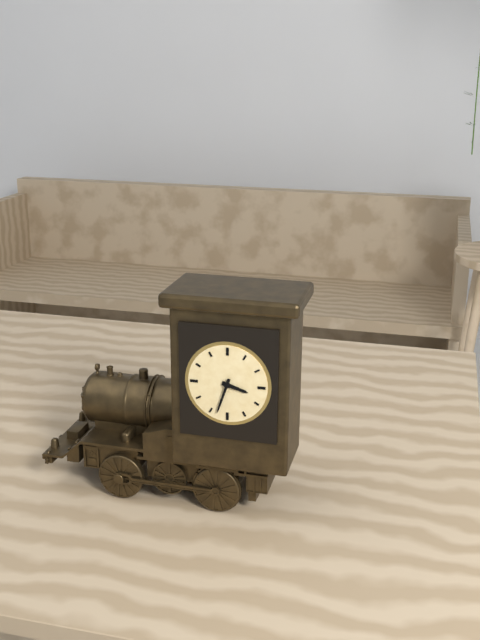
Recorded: 3,33
